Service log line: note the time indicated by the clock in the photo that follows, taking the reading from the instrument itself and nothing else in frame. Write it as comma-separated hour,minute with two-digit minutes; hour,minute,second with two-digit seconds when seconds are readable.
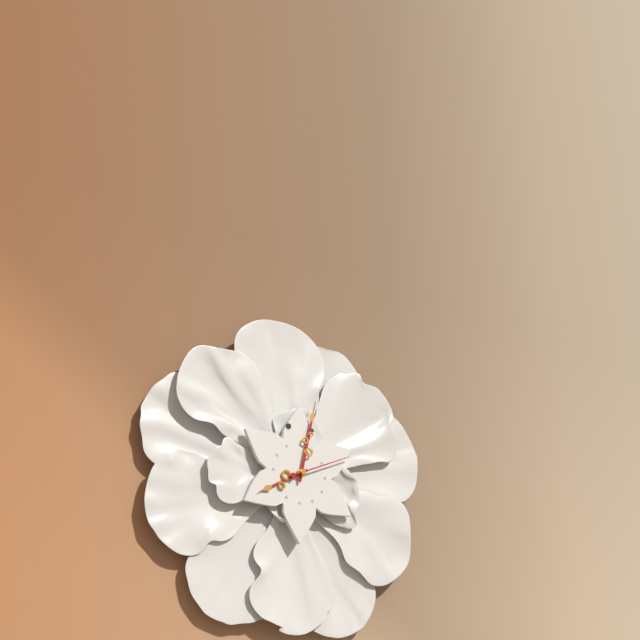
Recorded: 8,02,11
